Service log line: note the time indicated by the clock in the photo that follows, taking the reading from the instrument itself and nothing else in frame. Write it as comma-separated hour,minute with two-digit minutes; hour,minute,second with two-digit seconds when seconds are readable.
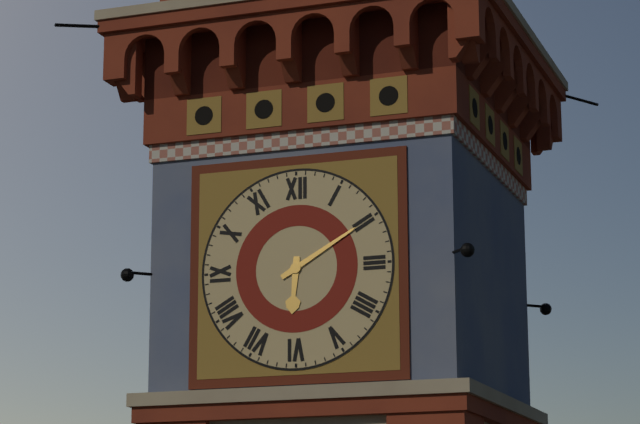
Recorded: 6,10
